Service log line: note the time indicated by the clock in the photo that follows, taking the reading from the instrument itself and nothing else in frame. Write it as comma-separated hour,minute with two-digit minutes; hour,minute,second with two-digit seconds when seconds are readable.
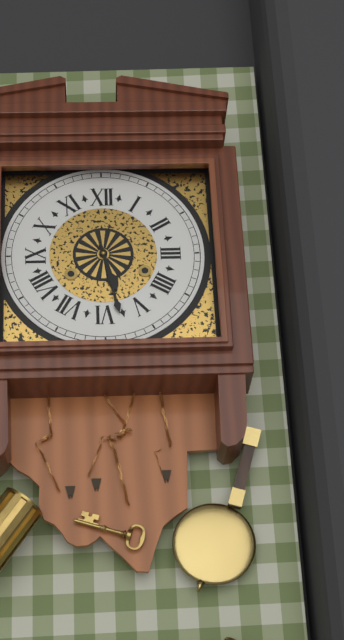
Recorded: 5,28
